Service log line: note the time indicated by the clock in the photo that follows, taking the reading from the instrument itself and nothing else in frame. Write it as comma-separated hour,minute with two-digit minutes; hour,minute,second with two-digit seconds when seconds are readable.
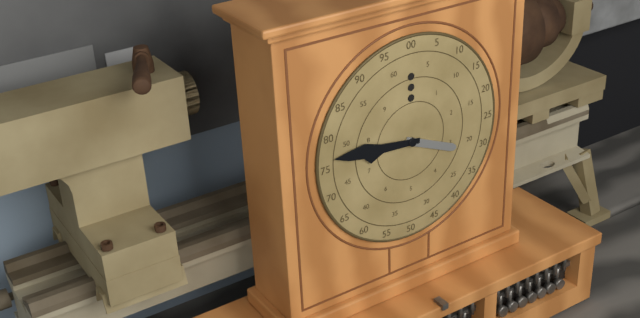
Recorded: 3,46
